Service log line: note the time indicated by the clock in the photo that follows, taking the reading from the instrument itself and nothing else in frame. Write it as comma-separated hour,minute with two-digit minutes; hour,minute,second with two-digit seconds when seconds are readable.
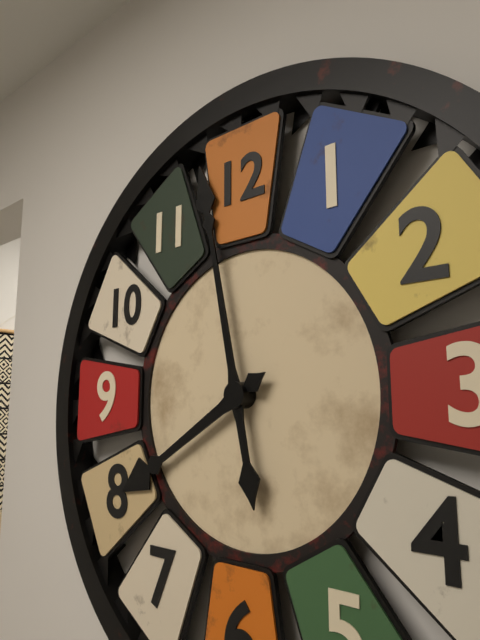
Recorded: 7,58
